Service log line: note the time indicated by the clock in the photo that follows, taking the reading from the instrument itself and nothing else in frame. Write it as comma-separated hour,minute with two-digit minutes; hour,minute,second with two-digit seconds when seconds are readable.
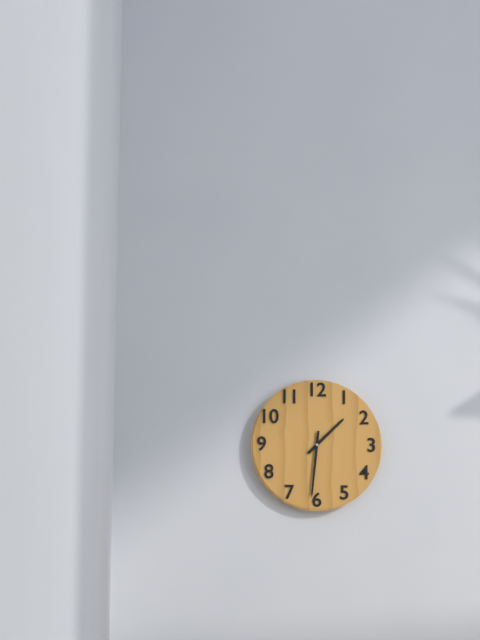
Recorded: 1,31
